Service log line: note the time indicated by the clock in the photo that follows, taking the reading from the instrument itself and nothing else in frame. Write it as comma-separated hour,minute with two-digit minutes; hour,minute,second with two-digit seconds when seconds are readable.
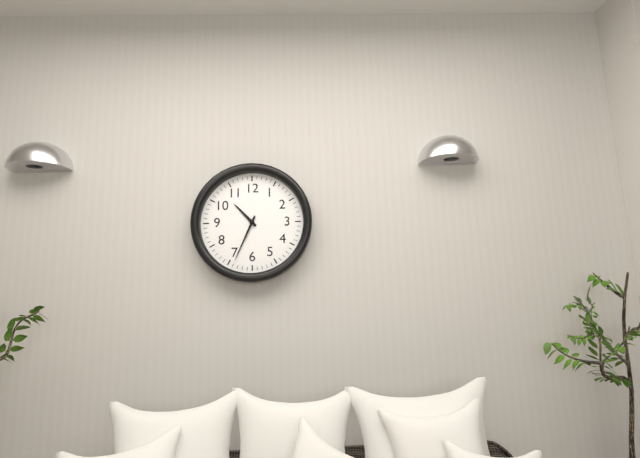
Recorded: 10,34
